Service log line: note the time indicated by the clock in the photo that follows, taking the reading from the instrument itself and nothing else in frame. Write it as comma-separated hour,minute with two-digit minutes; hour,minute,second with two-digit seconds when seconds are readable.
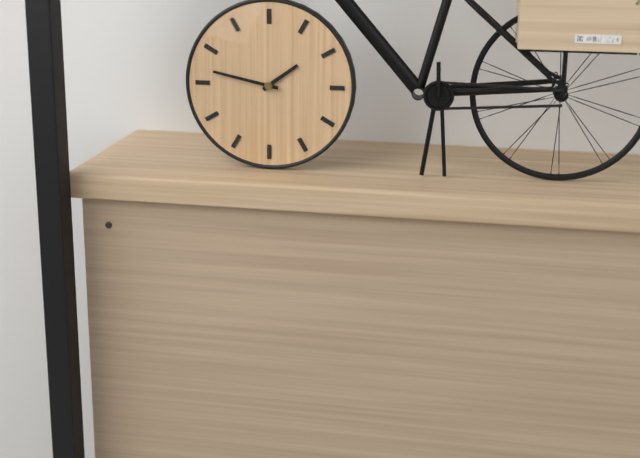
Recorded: 1,47
